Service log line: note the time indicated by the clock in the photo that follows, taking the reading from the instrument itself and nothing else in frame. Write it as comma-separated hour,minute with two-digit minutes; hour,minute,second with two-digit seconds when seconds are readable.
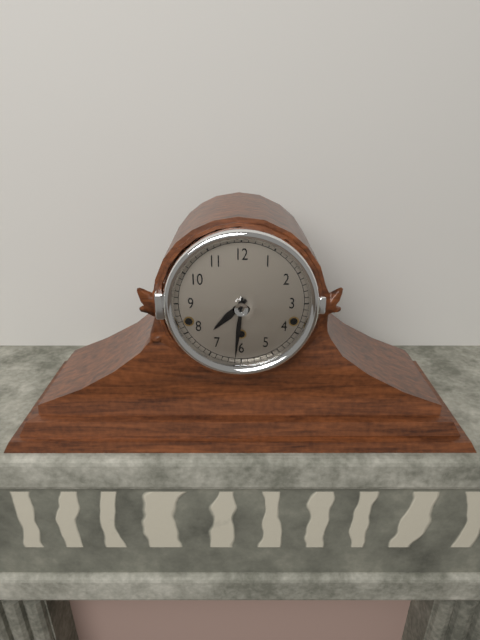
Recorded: 7,31
